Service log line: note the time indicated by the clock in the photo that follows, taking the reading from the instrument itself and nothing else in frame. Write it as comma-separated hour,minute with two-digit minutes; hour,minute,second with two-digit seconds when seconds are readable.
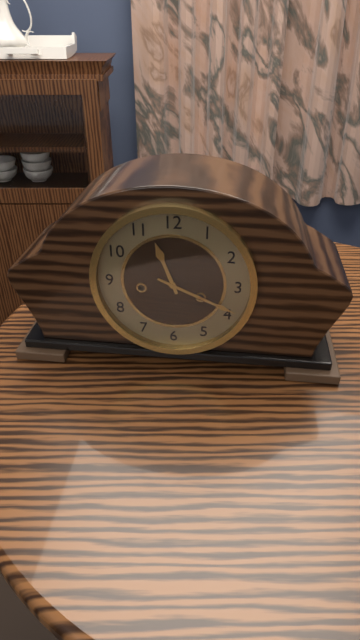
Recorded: 11,19
